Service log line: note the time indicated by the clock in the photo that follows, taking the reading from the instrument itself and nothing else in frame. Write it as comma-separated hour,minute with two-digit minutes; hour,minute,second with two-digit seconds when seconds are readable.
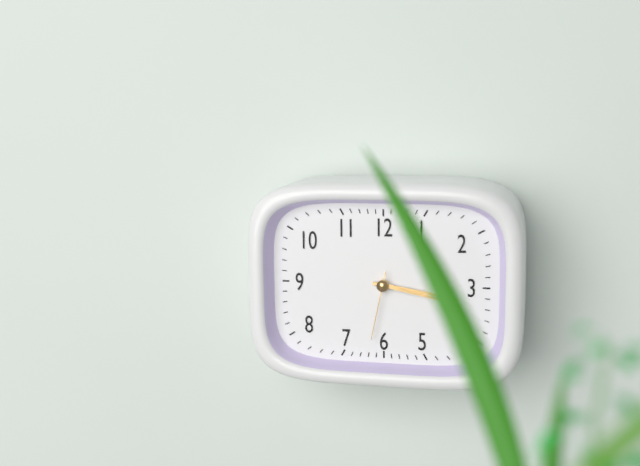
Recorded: 3,17,32
